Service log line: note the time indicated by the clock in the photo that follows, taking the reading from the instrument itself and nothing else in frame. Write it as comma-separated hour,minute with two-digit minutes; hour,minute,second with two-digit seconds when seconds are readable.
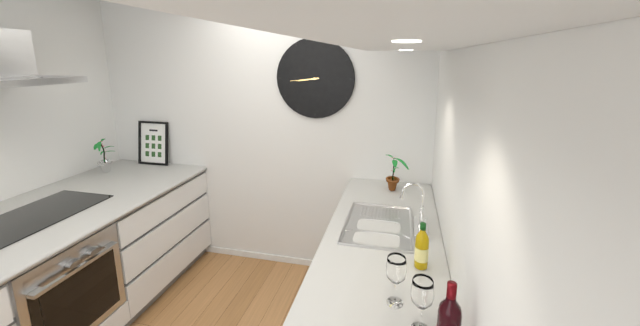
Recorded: 8,44
